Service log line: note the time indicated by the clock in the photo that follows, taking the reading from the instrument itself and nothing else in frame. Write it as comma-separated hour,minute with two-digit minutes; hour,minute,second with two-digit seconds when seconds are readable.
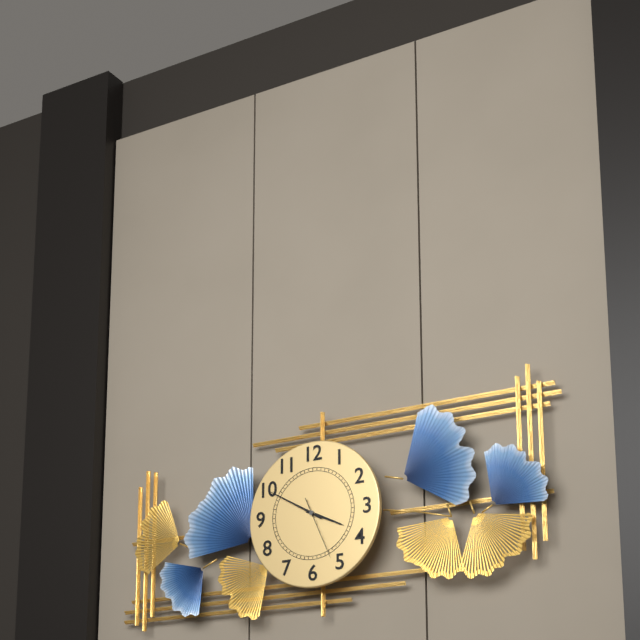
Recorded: 3,50,26
